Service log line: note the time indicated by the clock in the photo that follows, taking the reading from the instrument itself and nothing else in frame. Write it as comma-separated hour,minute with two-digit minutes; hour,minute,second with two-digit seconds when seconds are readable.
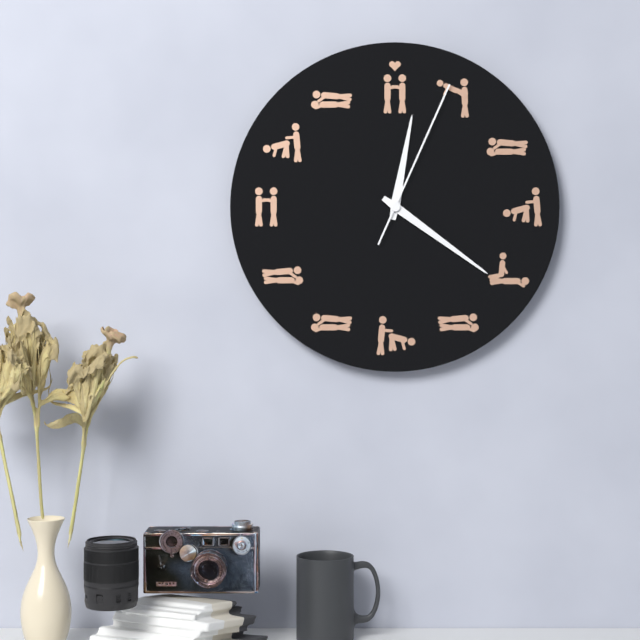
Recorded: 12,21,04
